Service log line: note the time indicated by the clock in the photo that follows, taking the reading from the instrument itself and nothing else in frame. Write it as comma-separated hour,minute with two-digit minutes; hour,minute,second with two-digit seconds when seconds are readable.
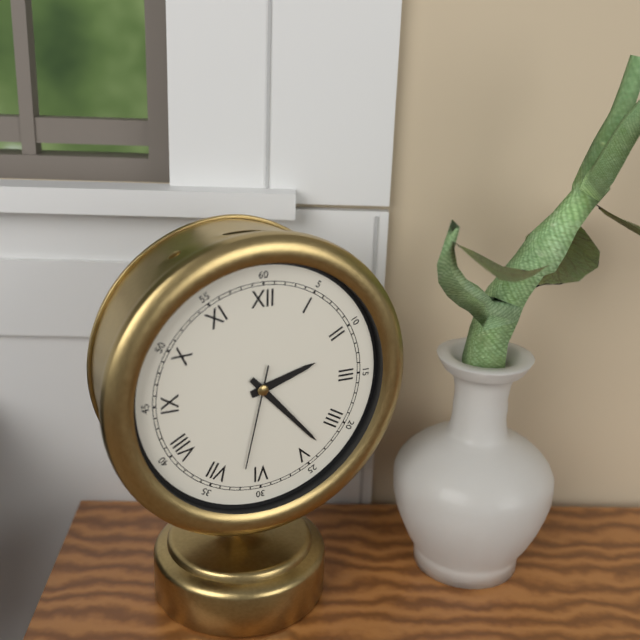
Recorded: 2,23,32
